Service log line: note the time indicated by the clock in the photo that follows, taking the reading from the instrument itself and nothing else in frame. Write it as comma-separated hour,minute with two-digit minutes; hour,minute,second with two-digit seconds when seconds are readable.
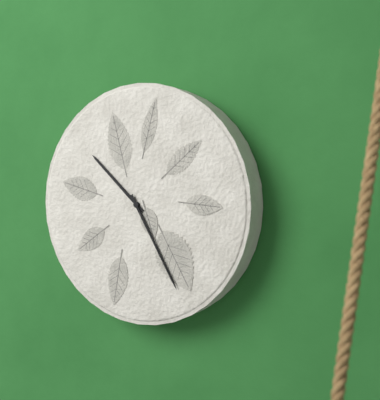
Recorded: 10,25
